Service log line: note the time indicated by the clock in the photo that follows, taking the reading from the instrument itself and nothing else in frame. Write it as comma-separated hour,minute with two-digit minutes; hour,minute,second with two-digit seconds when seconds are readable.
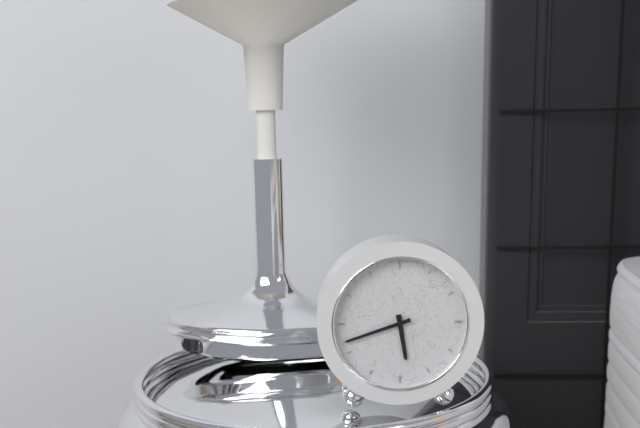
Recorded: 5,42
